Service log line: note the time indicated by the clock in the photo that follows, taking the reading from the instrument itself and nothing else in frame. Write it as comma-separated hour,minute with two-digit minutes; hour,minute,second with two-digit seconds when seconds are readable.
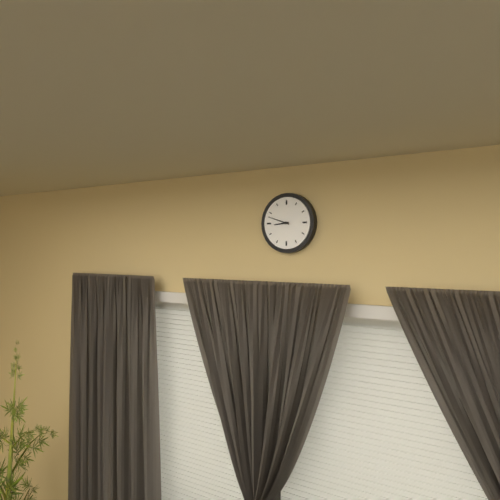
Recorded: 8,48
